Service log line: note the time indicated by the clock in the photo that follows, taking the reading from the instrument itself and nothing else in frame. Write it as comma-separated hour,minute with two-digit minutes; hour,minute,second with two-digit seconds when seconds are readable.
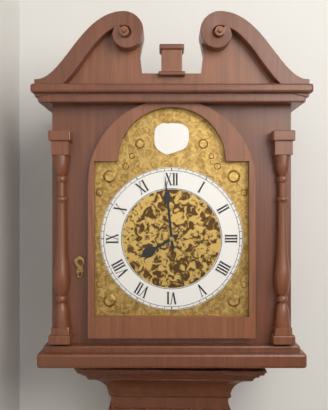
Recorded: 7,59
